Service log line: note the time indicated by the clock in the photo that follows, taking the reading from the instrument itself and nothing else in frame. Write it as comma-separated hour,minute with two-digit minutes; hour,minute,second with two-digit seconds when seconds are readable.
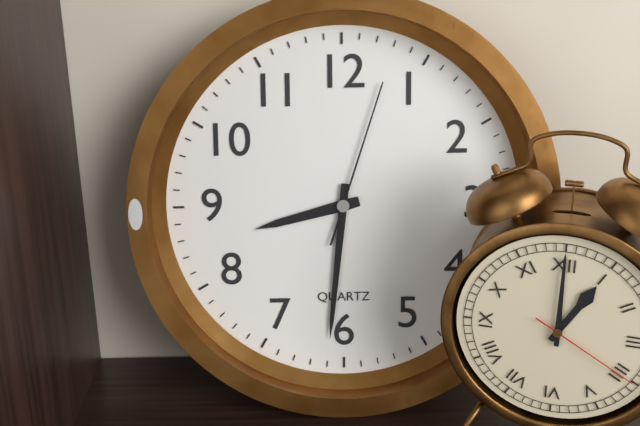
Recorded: 8,31,03
